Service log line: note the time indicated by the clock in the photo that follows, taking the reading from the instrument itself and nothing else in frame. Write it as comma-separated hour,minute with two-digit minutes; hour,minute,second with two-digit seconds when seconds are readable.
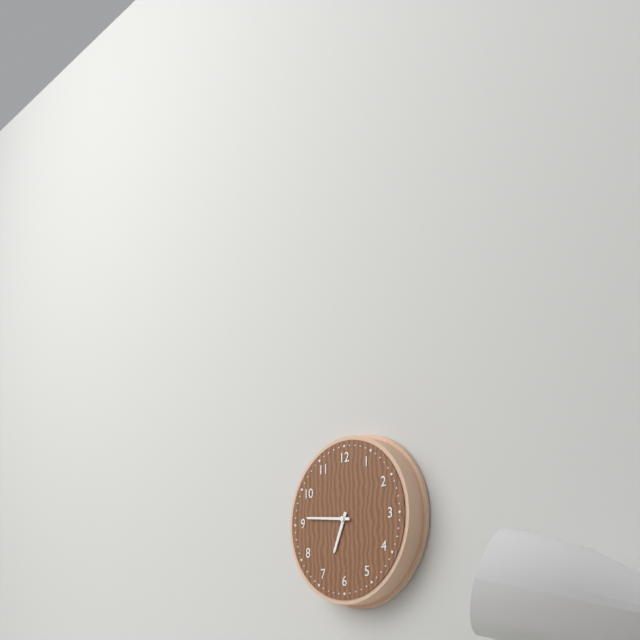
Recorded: 6,46
